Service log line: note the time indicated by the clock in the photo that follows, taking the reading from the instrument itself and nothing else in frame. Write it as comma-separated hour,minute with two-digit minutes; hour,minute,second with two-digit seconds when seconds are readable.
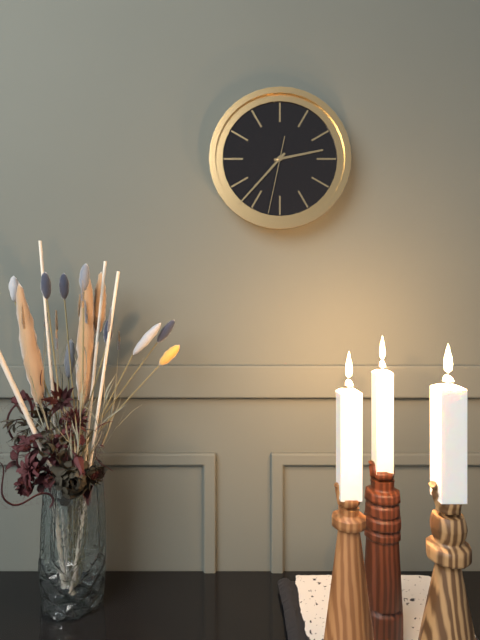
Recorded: 2,37,32
